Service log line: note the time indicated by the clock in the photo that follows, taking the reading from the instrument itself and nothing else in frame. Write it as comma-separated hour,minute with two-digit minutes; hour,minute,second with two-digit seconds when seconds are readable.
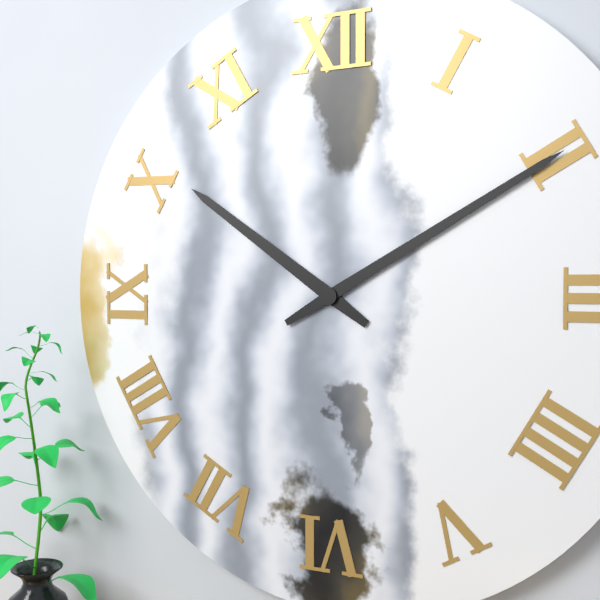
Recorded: 10,10
